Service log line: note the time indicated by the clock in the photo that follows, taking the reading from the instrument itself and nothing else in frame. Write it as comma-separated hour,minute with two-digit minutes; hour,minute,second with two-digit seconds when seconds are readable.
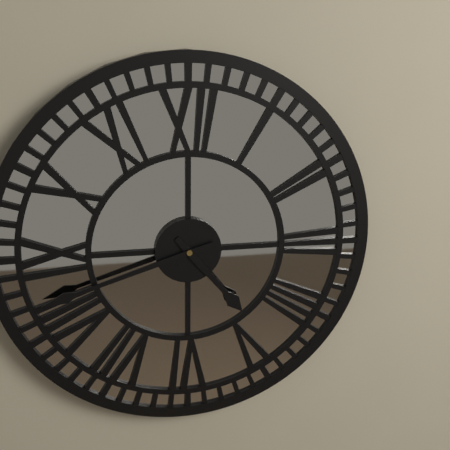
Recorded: 4,42
